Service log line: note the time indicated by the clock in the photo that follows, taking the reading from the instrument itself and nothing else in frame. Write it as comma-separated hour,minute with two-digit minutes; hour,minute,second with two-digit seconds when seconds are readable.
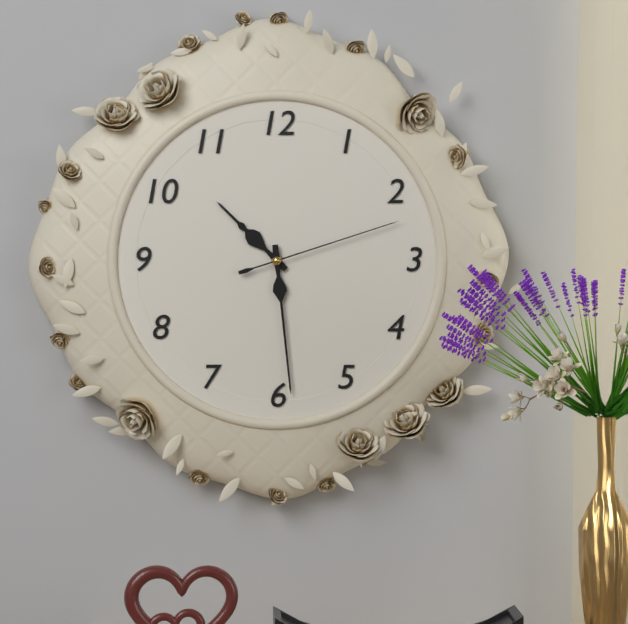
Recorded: 10,29,12
